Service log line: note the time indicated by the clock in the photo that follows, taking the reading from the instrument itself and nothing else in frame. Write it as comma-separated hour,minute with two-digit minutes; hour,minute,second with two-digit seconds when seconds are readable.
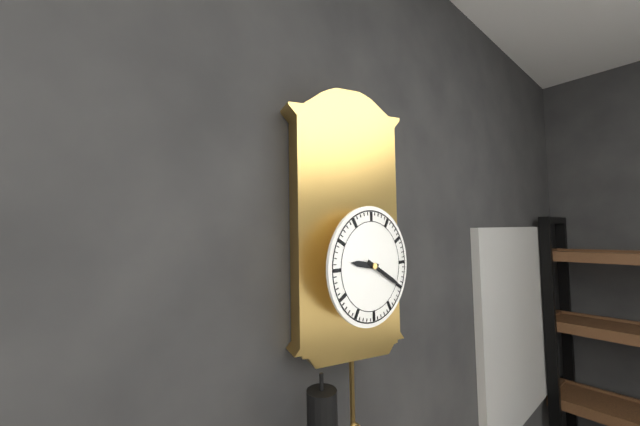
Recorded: 9,20
